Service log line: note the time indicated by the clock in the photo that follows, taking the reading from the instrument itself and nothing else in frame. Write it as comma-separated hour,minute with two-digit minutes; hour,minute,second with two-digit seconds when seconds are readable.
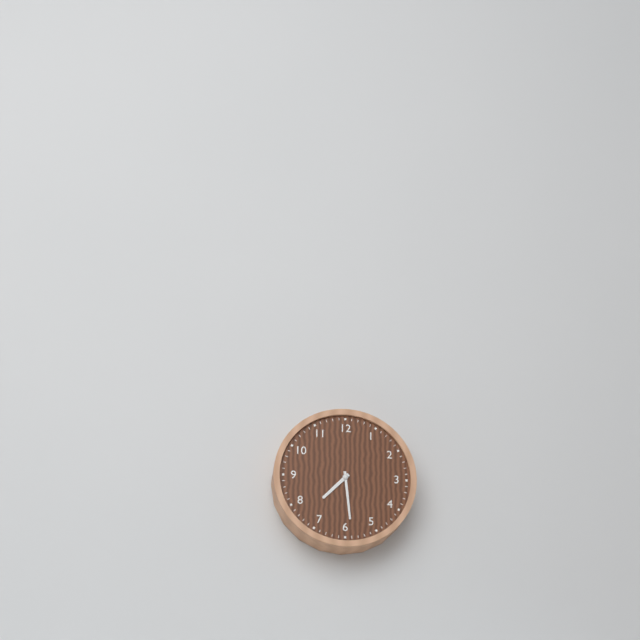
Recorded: 7,29
